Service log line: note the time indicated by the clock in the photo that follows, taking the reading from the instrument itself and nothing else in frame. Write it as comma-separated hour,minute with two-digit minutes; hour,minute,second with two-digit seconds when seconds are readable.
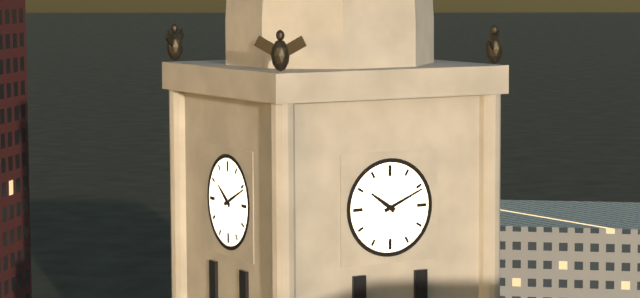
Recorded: 10,11
